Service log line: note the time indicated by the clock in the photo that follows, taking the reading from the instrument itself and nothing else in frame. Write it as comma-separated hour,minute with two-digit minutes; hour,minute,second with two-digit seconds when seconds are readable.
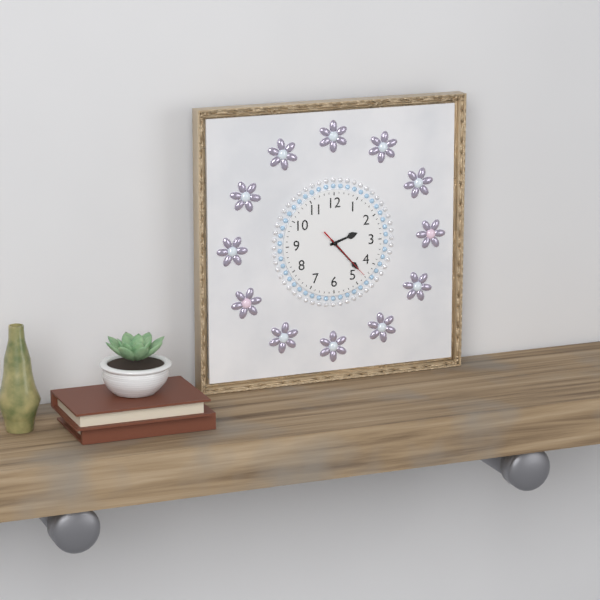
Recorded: 2,23,23
